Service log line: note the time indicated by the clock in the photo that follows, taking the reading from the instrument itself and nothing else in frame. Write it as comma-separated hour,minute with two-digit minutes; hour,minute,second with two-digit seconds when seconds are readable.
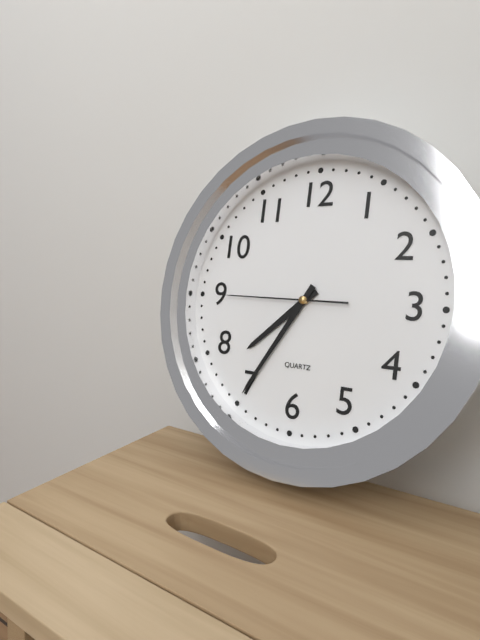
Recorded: 7,35,45
